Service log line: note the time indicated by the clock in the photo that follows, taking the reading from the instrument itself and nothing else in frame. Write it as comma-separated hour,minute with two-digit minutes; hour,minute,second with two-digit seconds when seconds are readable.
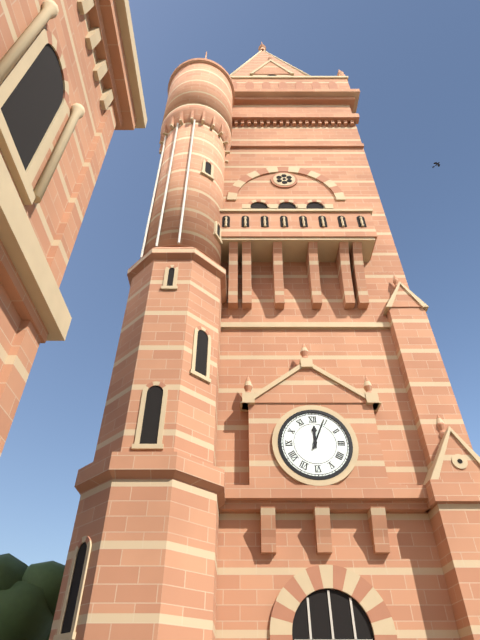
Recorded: 12,04
